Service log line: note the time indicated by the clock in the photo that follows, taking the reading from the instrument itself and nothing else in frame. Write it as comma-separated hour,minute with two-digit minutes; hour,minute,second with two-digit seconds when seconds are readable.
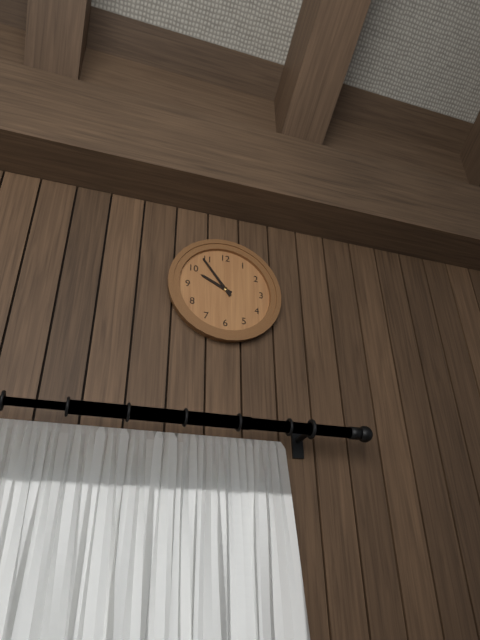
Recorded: 9,54
